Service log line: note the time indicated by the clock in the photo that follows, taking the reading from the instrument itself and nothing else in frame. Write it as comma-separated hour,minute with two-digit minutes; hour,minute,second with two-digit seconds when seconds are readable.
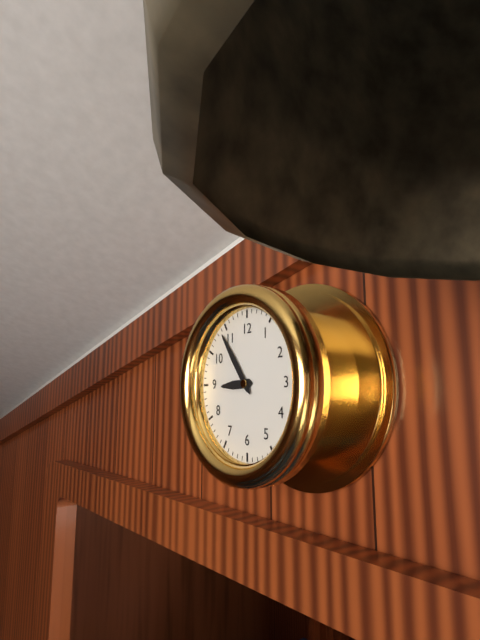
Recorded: 8,54
